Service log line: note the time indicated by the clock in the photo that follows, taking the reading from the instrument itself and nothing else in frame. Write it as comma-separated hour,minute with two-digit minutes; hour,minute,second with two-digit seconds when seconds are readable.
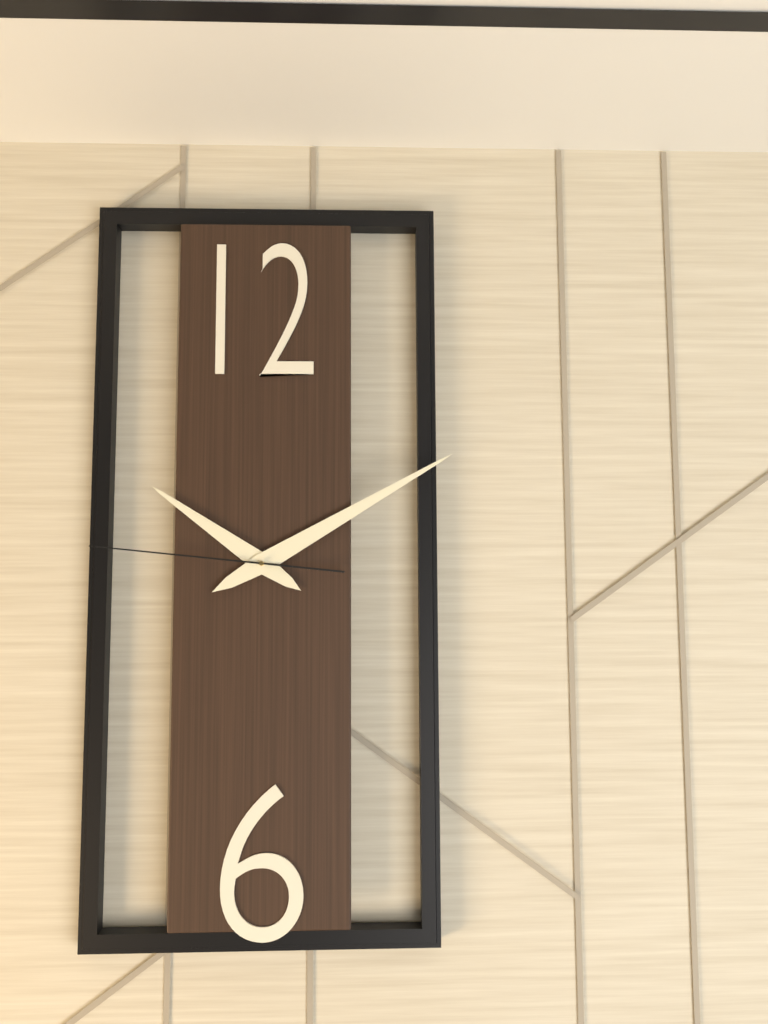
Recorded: 10,10,46
